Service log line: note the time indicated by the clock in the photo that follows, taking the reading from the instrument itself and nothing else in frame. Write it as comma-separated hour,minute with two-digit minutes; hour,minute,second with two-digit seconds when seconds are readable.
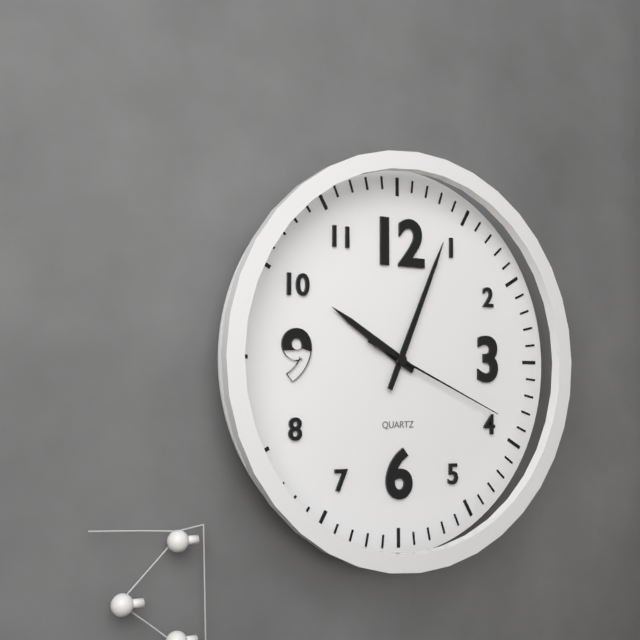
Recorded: 10,04,19
